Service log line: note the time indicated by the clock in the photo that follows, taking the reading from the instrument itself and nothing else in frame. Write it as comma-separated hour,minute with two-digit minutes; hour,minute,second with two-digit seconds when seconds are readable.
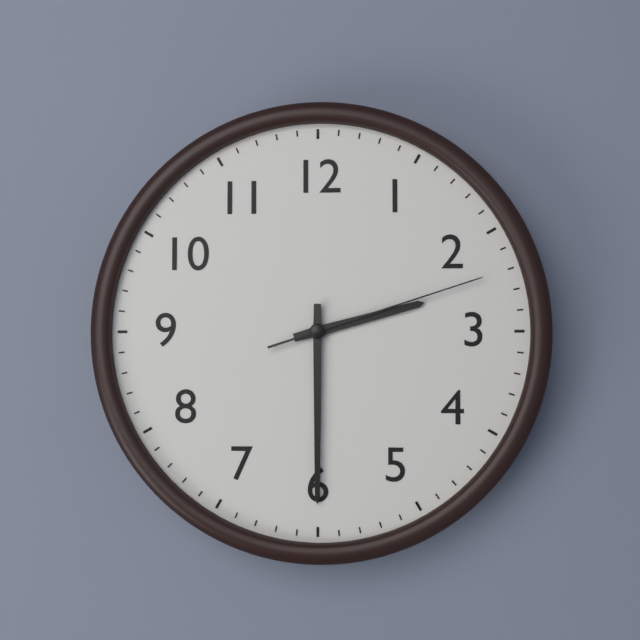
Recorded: 2,30,12
